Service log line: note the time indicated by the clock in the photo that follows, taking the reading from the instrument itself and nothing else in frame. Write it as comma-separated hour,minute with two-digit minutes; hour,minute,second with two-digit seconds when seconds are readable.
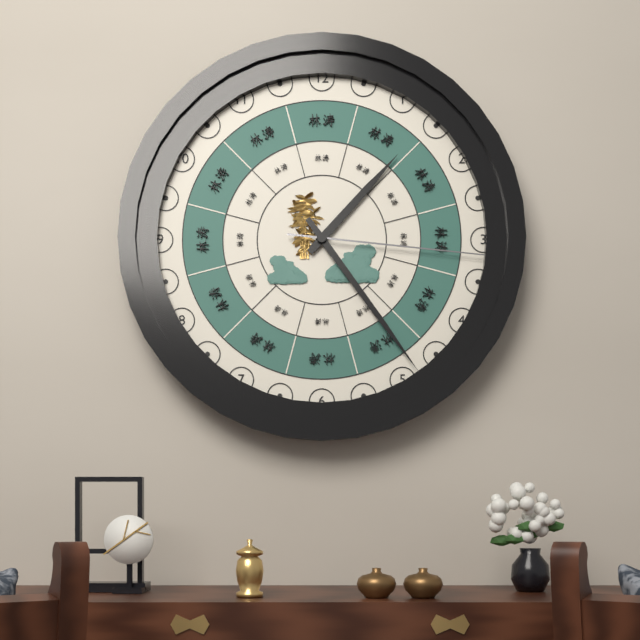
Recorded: 1,24,16
